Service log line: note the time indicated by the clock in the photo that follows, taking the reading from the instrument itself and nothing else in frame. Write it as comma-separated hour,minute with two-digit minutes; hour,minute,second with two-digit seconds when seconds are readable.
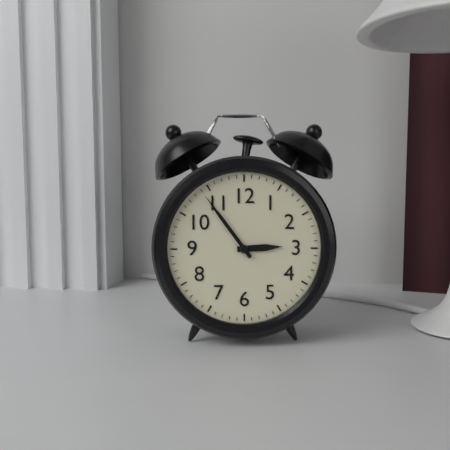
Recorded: 2,54
